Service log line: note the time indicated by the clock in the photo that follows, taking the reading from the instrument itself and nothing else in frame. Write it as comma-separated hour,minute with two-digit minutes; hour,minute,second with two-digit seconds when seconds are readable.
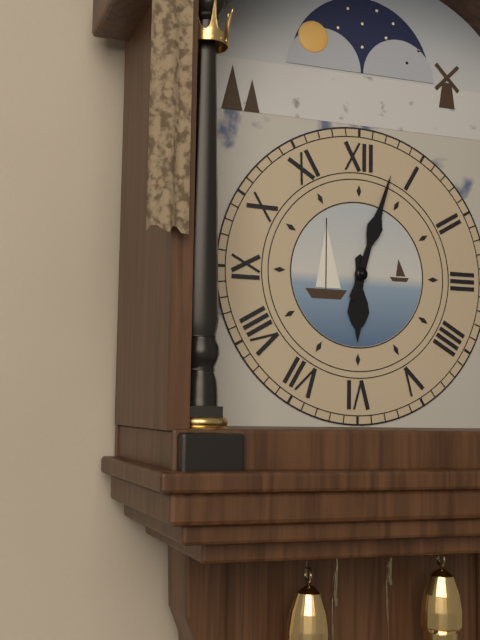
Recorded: 6,03
